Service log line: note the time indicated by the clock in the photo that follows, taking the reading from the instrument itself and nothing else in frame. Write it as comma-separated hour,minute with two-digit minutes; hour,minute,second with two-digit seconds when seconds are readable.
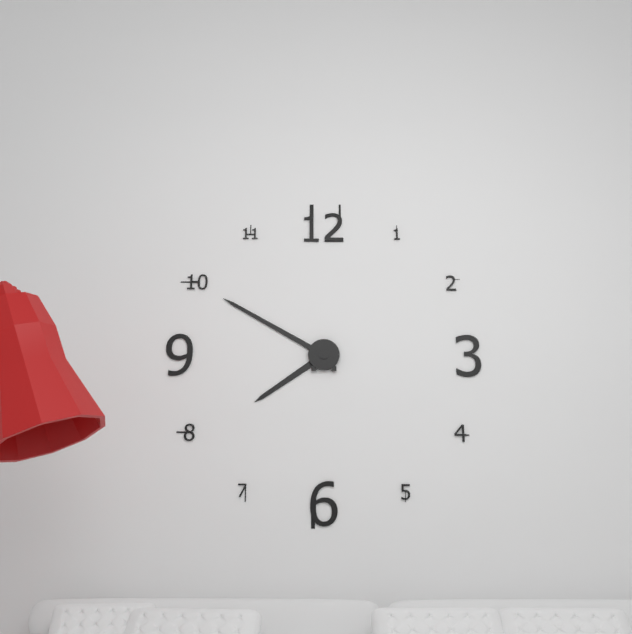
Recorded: 7,50
